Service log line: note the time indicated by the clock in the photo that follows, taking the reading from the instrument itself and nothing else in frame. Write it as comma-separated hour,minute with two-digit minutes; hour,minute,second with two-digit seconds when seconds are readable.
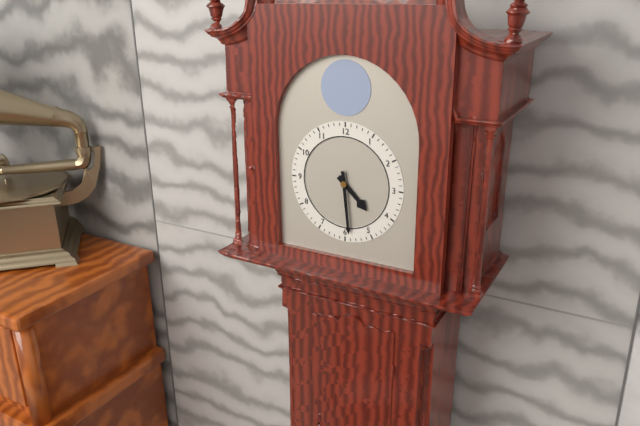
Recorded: 4,29
